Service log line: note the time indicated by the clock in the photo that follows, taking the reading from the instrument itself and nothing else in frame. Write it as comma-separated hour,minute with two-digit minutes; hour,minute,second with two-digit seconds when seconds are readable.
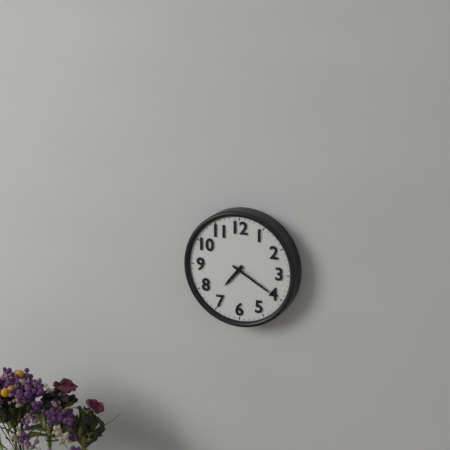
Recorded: 7,20
